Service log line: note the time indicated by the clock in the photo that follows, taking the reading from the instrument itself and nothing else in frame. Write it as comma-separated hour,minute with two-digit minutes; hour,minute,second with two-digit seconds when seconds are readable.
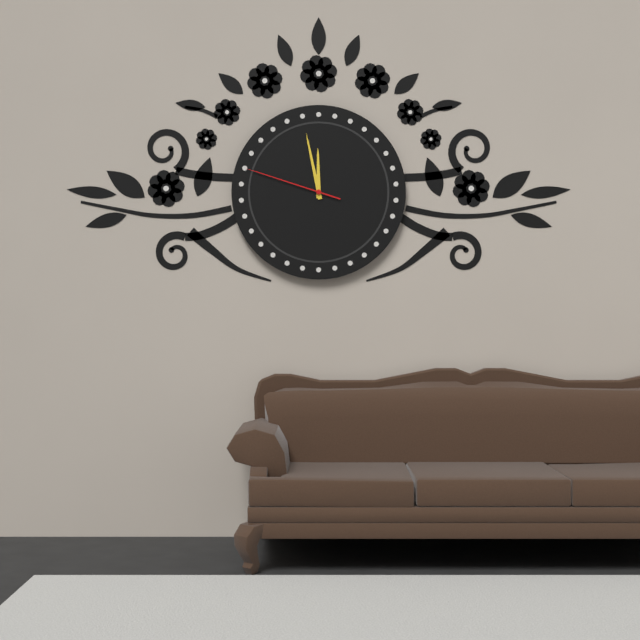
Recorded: 11,58,48
